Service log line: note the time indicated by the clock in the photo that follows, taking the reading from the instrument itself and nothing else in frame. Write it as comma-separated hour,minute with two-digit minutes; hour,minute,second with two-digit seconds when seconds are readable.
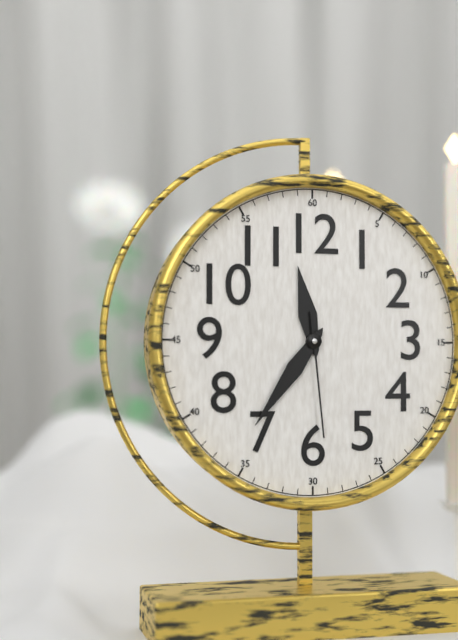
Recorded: 11,36,29
